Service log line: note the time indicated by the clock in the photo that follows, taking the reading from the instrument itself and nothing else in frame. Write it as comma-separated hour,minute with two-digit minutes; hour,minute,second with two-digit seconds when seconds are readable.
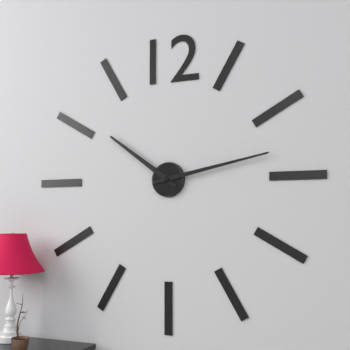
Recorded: 10,13
